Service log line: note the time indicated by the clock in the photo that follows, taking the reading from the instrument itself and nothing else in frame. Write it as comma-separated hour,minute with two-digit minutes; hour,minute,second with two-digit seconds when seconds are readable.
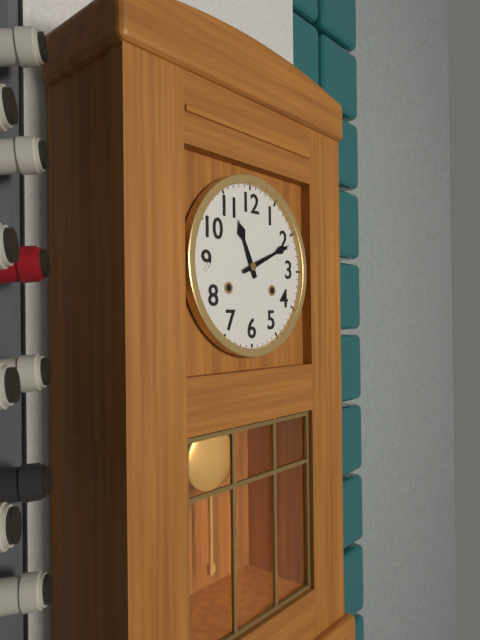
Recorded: 11,11
